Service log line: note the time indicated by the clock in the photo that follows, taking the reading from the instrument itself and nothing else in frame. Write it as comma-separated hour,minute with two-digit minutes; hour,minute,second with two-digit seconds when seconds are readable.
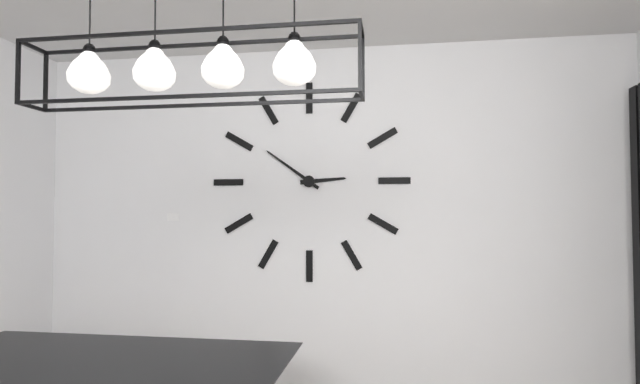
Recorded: 2,51
